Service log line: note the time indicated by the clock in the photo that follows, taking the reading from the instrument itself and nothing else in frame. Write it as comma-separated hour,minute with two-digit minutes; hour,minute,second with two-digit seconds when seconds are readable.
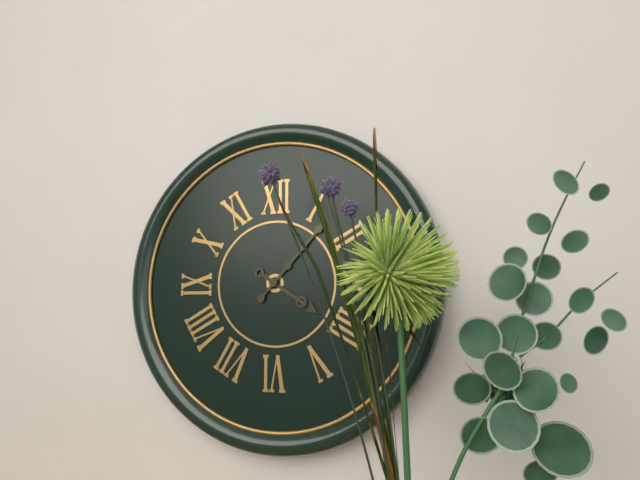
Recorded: 4,07
